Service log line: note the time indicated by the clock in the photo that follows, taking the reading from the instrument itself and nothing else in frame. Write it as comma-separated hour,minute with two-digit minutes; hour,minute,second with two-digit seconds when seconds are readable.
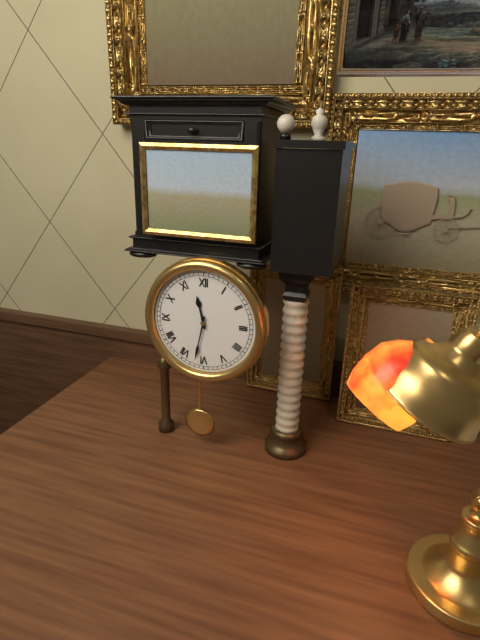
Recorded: 11,32
